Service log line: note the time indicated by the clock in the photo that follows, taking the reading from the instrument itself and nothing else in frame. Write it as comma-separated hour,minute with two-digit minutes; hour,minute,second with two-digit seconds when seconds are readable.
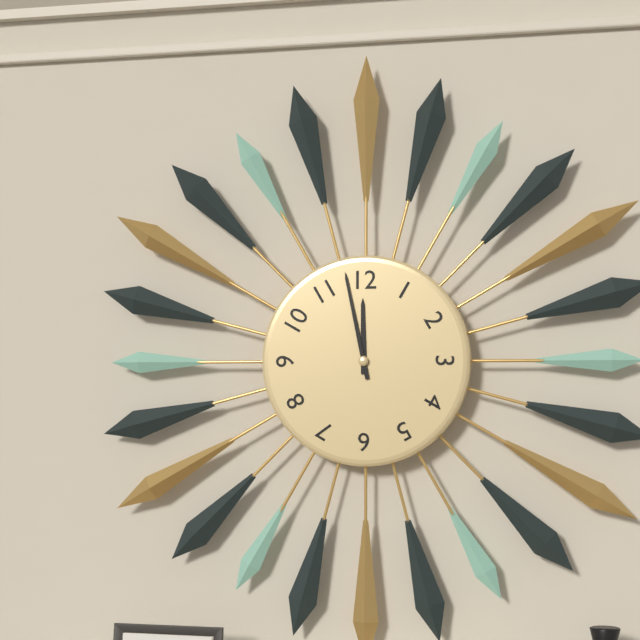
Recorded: 11,58
